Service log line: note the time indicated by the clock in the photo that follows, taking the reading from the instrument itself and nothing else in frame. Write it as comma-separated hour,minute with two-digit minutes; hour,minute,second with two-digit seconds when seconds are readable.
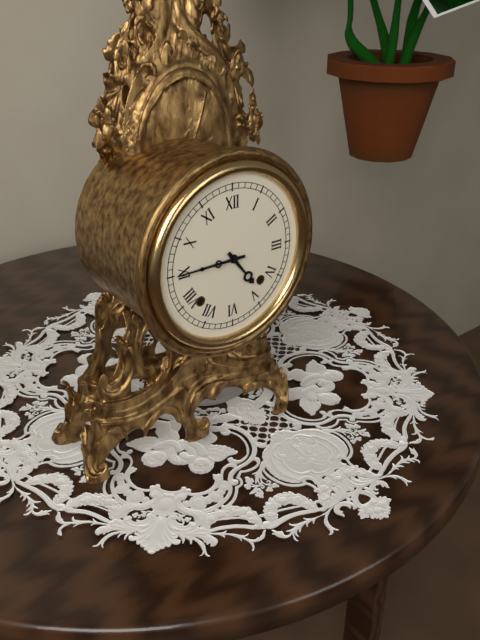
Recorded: 4,45
